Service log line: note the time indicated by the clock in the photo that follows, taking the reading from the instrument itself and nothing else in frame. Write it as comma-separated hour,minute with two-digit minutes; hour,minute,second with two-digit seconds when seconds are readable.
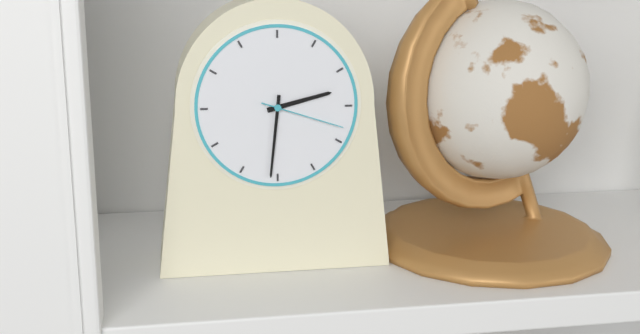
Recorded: 2,31,18
